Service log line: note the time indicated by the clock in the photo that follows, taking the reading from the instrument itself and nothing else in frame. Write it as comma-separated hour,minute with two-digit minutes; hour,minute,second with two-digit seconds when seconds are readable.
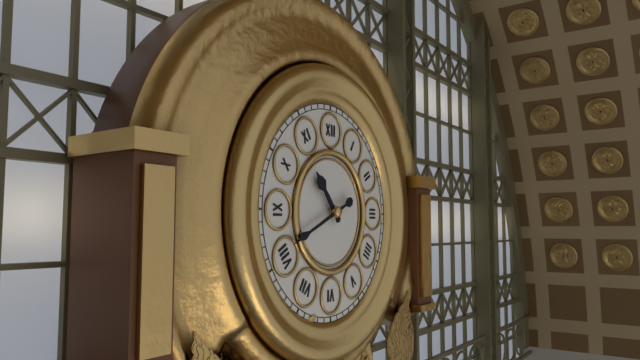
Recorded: 10,41
